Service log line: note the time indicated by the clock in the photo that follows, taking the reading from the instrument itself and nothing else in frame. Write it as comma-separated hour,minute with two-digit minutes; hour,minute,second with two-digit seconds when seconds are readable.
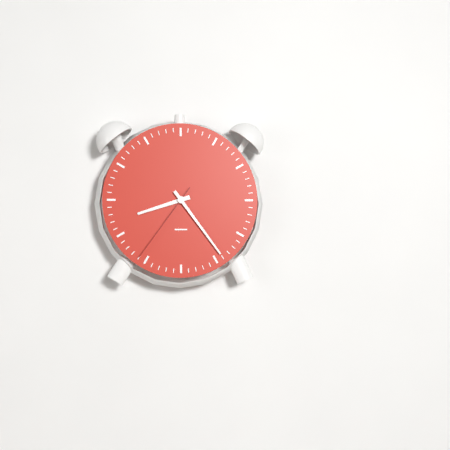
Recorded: 8,24,36
